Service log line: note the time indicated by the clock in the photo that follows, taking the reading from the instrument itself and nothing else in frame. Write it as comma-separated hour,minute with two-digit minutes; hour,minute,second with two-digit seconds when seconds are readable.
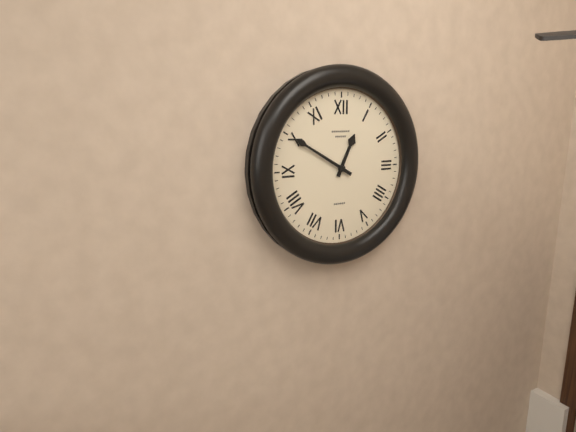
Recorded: 12,50
